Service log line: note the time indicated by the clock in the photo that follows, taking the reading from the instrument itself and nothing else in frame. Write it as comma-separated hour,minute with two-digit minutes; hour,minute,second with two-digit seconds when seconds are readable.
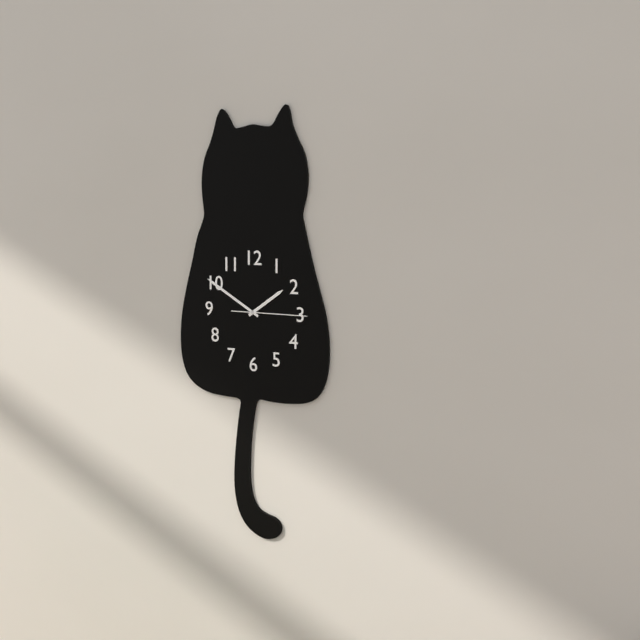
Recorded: 1,50,15
